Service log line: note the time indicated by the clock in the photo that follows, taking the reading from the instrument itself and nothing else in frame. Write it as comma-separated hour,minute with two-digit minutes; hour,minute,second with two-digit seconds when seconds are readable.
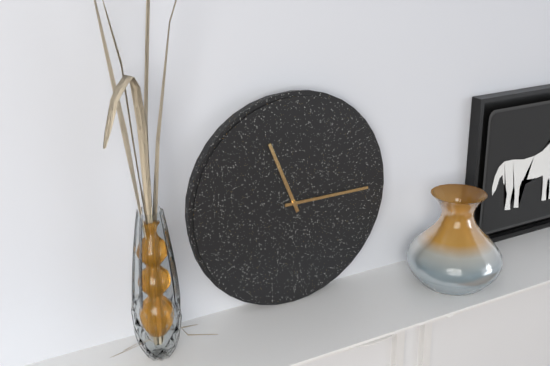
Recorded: 11,15
